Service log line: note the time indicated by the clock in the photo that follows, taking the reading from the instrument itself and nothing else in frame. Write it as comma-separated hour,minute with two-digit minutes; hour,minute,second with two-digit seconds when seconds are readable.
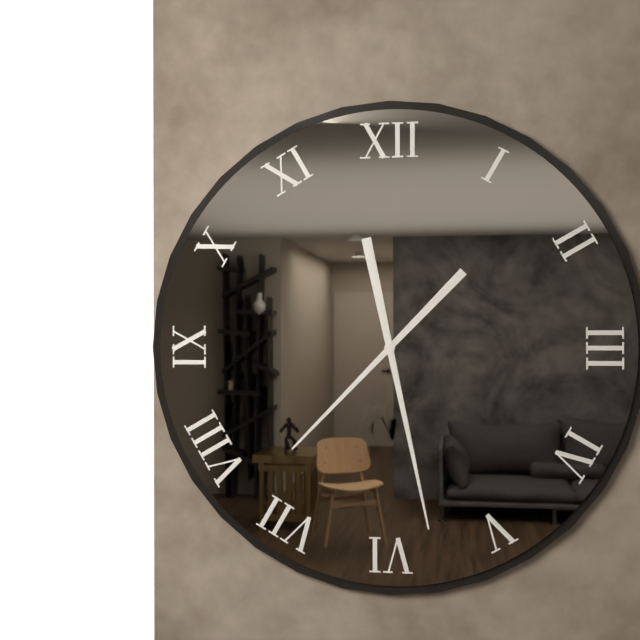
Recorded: 7,28
